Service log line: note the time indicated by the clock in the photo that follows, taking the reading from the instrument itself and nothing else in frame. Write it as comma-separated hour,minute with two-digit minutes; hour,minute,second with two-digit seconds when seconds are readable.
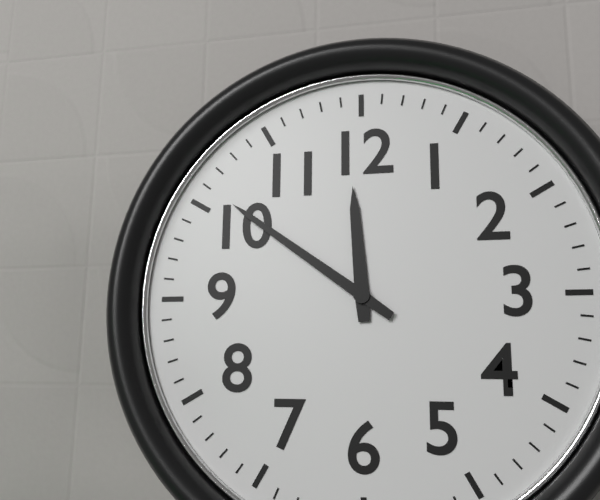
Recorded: 11,51
